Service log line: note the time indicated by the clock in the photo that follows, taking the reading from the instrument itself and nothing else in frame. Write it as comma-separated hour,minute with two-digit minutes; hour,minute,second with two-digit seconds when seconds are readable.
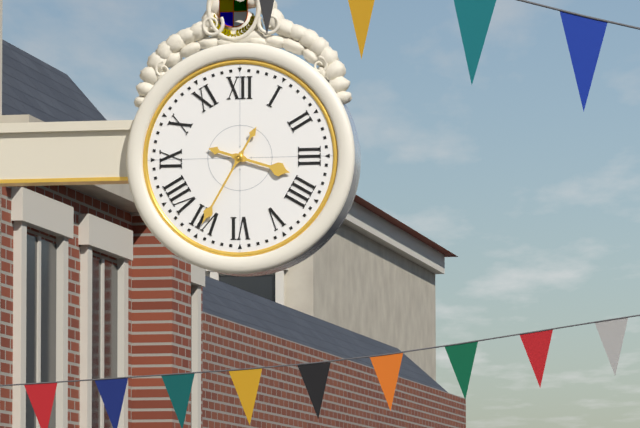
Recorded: 3,35
